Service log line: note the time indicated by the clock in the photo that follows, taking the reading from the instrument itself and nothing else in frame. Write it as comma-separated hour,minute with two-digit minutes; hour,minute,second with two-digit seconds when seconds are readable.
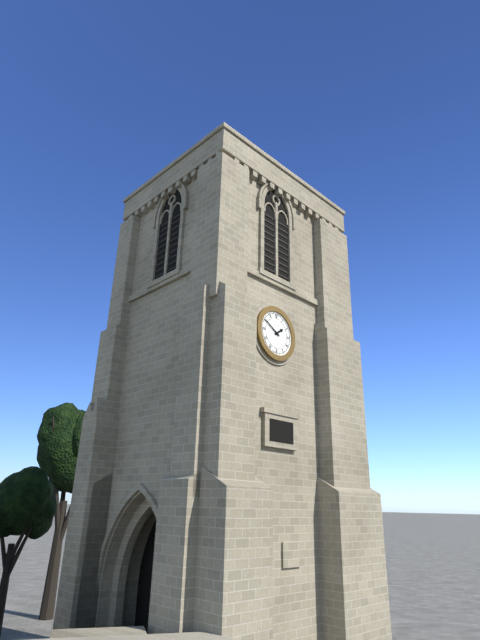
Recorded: 1,50
